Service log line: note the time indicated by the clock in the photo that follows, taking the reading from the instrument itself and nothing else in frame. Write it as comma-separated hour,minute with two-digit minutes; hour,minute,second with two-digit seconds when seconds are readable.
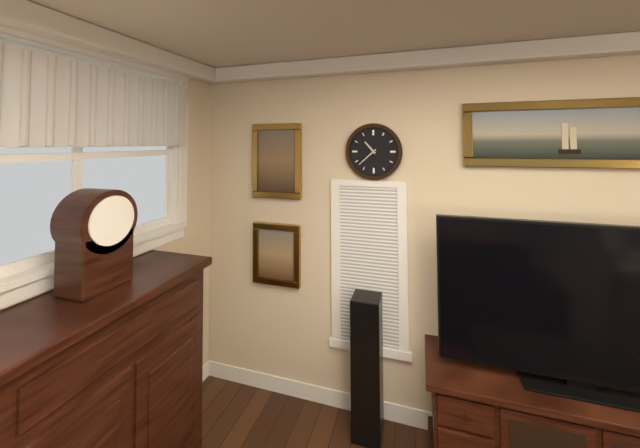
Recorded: 10,38
